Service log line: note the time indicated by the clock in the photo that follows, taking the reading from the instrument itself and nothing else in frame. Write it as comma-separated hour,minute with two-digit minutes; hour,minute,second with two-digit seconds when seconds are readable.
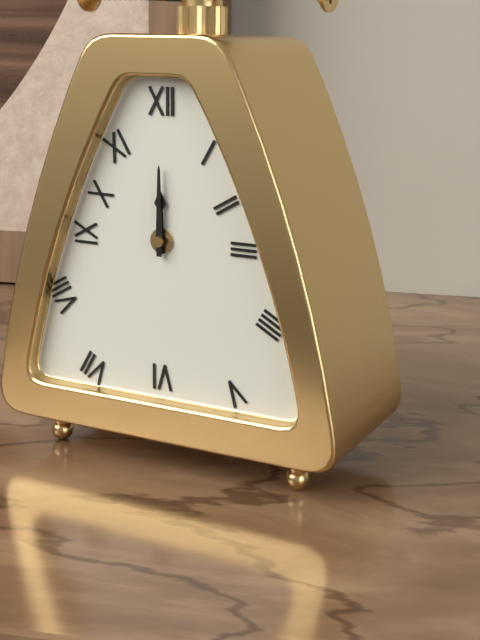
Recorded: 12,00
